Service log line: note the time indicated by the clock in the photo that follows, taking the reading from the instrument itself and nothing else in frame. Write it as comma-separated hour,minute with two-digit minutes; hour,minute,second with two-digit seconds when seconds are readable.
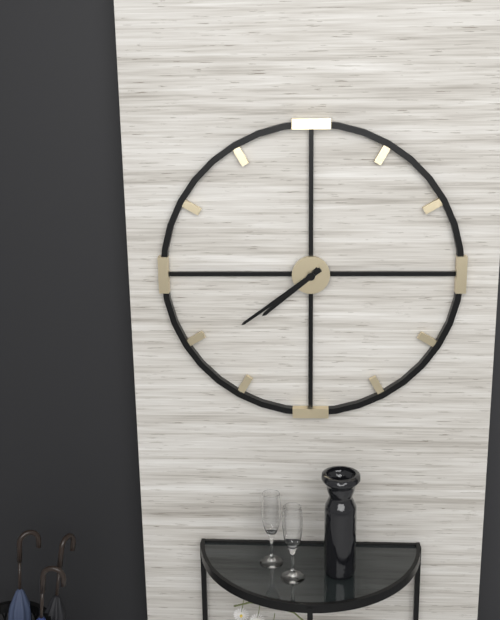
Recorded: 7,39
